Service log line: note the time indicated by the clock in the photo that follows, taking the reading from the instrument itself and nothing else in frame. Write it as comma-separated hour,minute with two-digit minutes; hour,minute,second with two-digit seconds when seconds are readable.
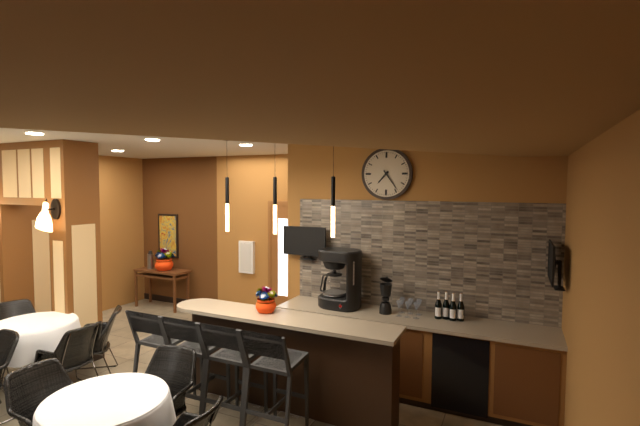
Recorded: 7,24
